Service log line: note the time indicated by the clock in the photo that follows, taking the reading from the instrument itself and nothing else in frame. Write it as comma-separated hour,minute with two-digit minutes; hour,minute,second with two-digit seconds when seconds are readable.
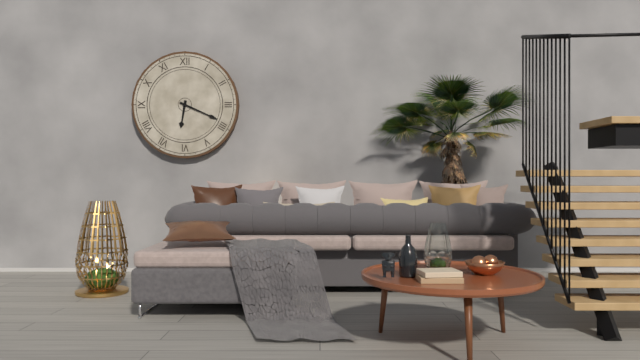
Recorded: 6,19
